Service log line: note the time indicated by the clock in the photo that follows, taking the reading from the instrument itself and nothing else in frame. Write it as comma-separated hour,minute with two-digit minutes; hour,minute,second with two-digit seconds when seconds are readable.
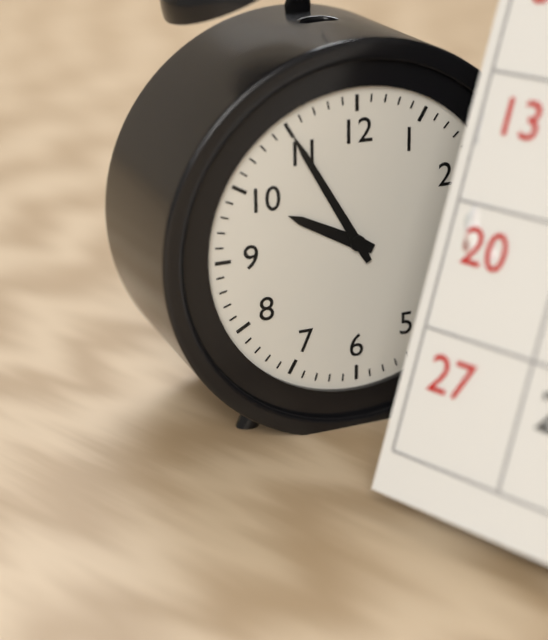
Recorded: 9,55
